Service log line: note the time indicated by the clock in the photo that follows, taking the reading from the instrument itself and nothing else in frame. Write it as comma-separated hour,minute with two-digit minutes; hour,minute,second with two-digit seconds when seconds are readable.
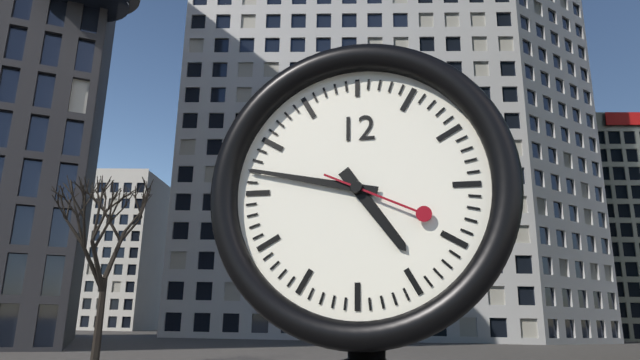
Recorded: 4,47,19
